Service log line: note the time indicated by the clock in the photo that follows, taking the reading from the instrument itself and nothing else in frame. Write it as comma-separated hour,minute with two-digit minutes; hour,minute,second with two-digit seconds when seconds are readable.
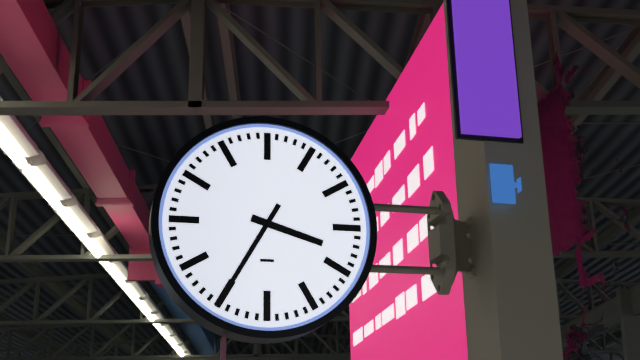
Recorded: 3,35
